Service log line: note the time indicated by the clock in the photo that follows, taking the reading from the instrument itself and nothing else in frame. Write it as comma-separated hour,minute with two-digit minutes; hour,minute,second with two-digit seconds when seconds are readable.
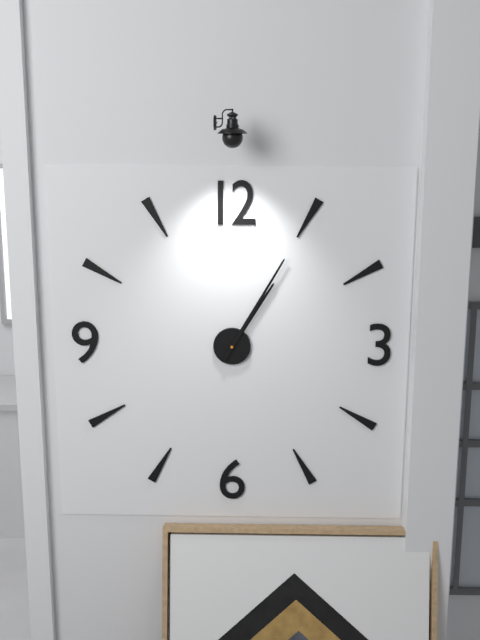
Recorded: 1,05
